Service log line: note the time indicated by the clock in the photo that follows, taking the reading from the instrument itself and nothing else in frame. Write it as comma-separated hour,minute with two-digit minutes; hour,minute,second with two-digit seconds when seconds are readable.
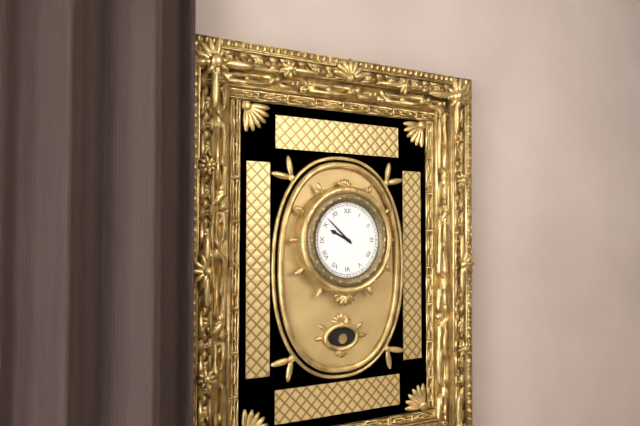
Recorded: 9,52
